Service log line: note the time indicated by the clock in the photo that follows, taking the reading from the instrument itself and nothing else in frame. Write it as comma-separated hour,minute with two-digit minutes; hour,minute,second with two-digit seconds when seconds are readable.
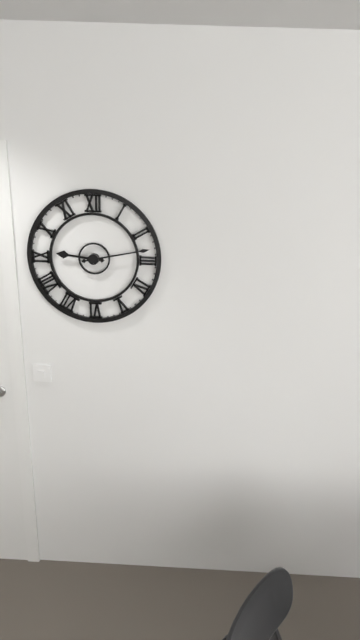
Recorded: 9,13
